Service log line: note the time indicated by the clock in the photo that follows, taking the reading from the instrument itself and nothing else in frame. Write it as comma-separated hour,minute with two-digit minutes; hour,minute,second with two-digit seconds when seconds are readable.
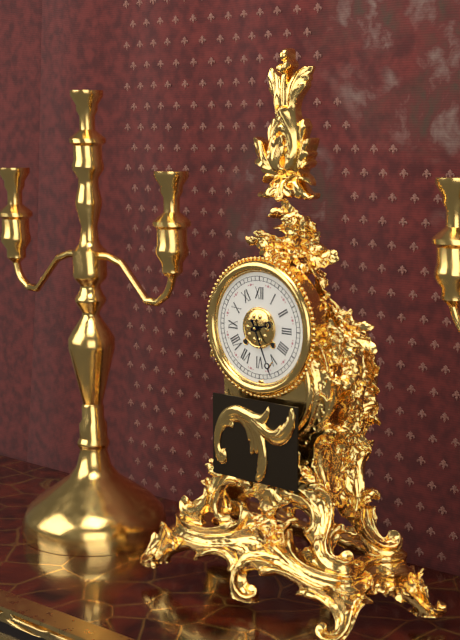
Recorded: 2,26
